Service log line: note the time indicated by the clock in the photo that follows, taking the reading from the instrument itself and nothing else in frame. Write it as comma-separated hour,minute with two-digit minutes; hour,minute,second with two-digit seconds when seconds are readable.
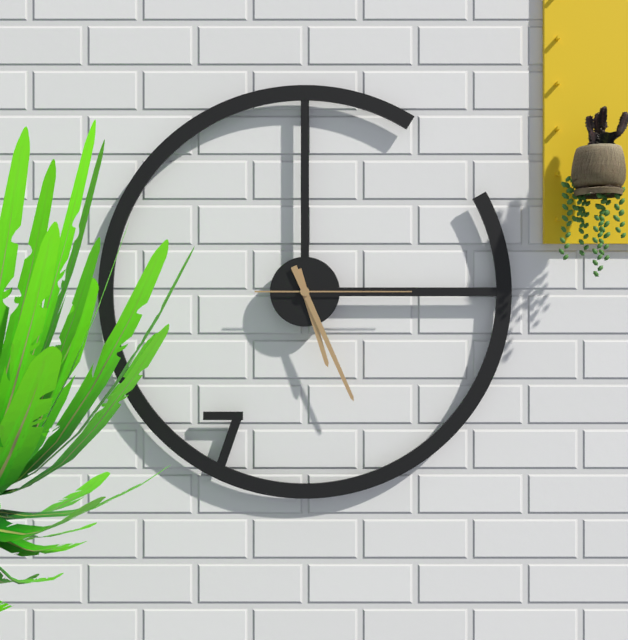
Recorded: 5,26,15
